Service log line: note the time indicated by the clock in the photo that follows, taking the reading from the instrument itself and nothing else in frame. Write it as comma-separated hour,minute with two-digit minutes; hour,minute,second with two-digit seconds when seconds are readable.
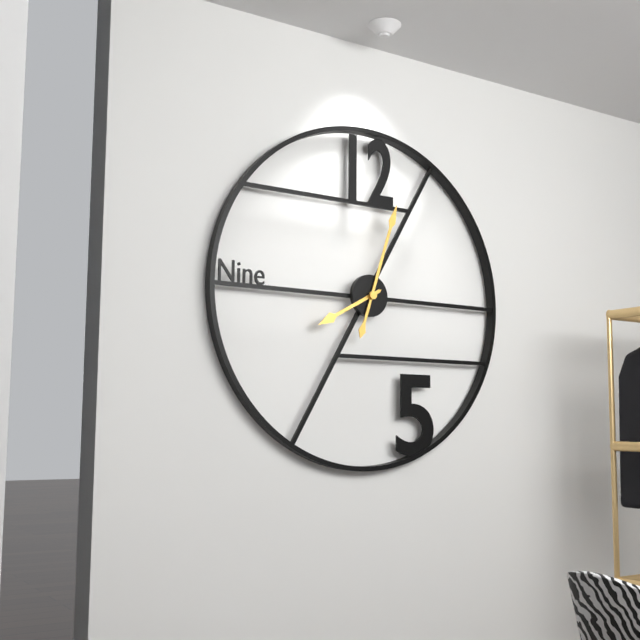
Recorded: 8,03
